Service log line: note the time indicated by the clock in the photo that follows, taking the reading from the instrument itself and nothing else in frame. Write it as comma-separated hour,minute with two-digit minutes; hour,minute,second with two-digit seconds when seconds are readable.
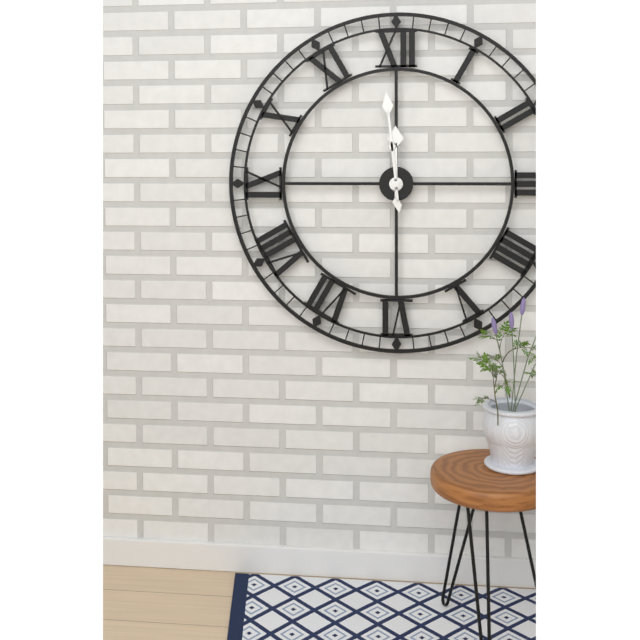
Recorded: 11,59
